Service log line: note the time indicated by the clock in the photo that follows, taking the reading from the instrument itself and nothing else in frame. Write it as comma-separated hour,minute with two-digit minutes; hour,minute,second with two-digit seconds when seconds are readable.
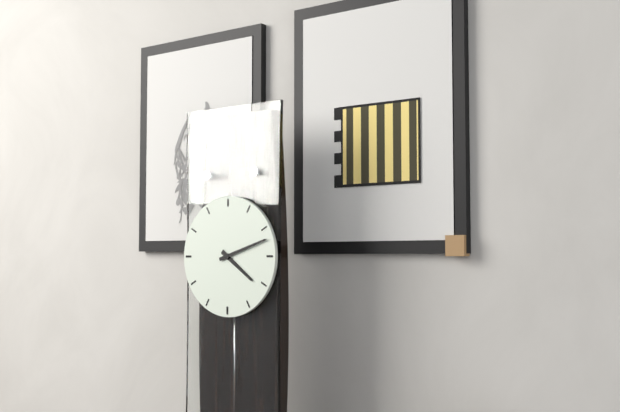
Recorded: 4,12
